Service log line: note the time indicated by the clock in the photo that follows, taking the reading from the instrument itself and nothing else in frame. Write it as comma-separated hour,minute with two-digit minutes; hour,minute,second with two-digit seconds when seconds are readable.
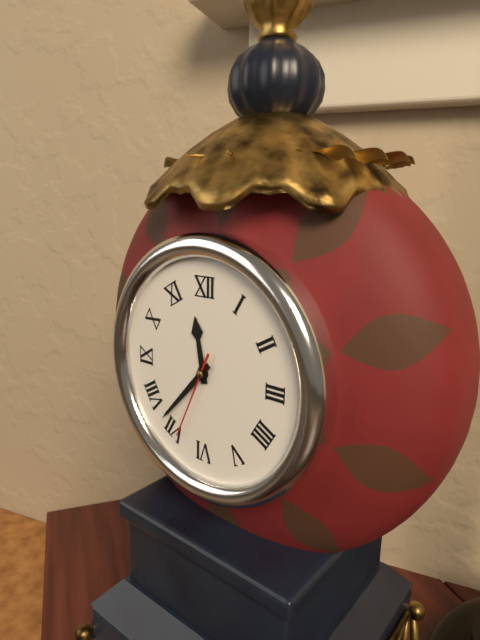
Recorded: 11,37,34
